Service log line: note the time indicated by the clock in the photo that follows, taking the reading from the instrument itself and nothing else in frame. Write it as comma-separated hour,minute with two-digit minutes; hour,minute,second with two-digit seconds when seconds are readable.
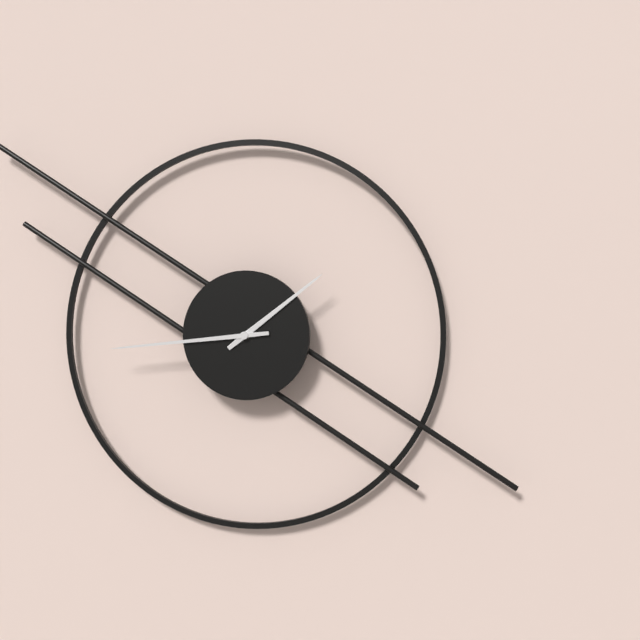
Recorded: 1,44
